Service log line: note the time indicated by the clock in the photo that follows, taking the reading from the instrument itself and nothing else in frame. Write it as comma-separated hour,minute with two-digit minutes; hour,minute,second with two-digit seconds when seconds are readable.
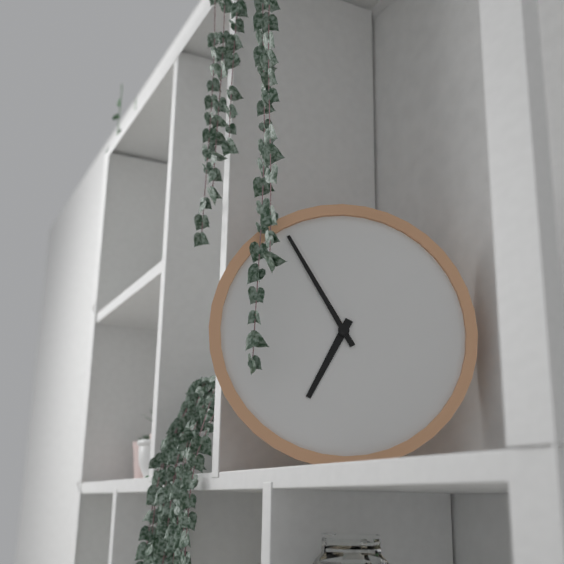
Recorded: 6,55
